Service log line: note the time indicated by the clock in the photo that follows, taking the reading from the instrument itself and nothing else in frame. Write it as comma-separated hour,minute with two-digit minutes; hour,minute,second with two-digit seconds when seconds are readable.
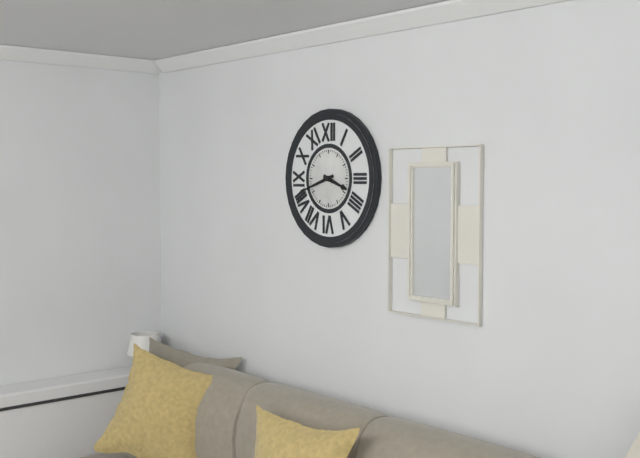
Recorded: 3,42
